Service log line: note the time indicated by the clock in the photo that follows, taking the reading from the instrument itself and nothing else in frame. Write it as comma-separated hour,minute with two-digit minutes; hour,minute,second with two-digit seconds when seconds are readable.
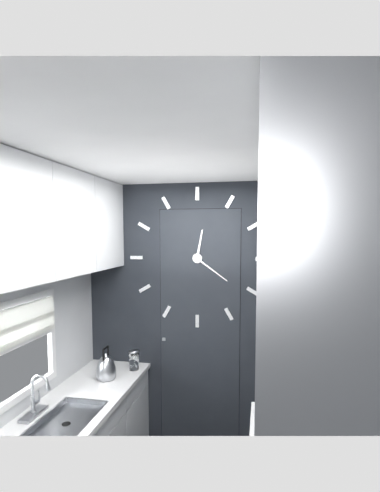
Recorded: 12,21
